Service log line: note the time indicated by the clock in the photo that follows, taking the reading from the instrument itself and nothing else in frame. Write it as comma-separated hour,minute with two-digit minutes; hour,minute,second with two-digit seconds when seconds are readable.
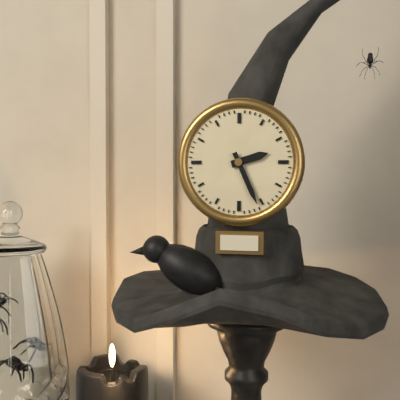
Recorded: 2,26
